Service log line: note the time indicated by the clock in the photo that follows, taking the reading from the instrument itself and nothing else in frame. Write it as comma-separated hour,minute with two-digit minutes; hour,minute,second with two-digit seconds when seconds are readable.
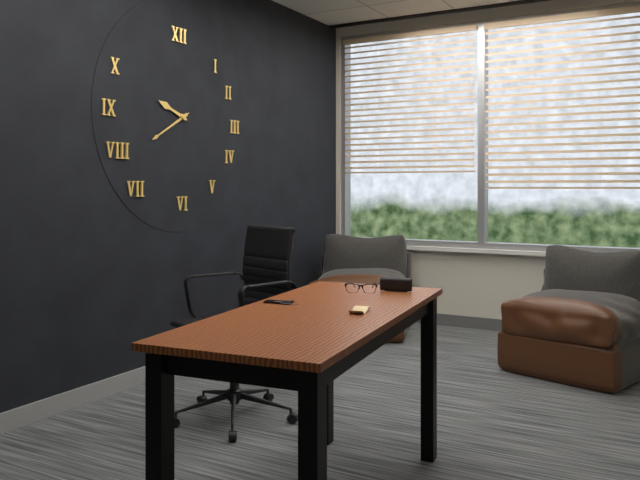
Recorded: 9,40
